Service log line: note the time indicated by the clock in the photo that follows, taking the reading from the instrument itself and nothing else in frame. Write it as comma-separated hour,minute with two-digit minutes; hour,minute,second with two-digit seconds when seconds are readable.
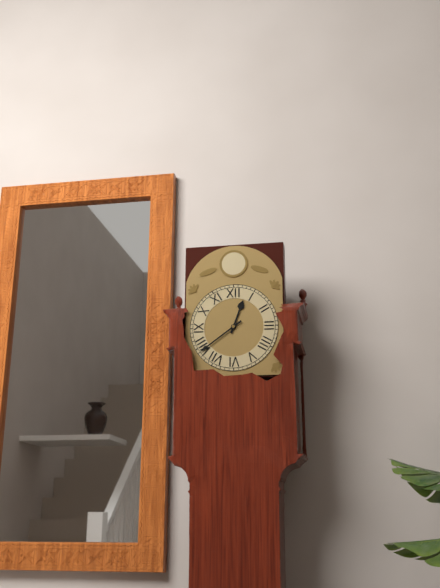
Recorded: 12,39
